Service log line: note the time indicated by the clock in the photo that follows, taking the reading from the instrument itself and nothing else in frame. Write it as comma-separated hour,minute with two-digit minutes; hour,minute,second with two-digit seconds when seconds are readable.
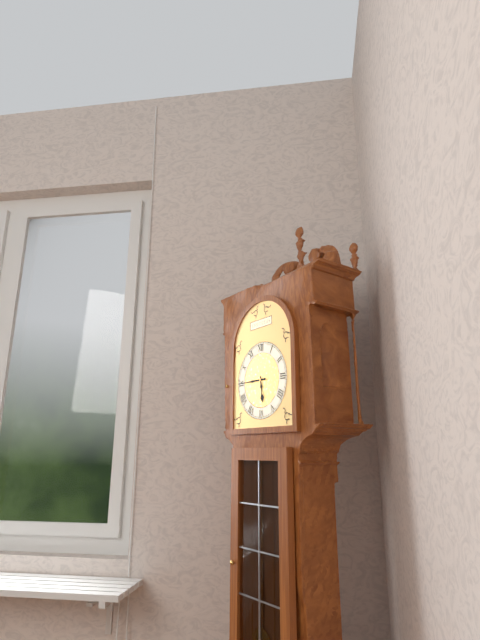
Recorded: 5,45
